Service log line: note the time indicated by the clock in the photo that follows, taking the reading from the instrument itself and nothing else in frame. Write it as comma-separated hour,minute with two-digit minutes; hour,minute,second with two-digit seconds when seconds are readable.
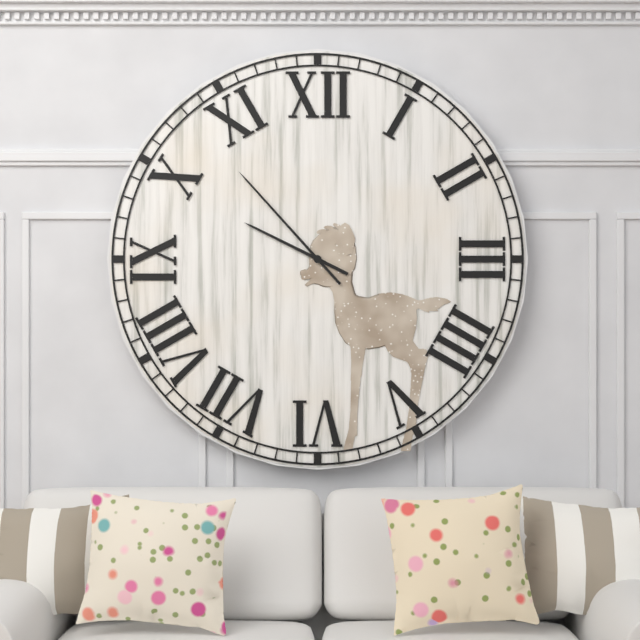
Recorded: 9,53
